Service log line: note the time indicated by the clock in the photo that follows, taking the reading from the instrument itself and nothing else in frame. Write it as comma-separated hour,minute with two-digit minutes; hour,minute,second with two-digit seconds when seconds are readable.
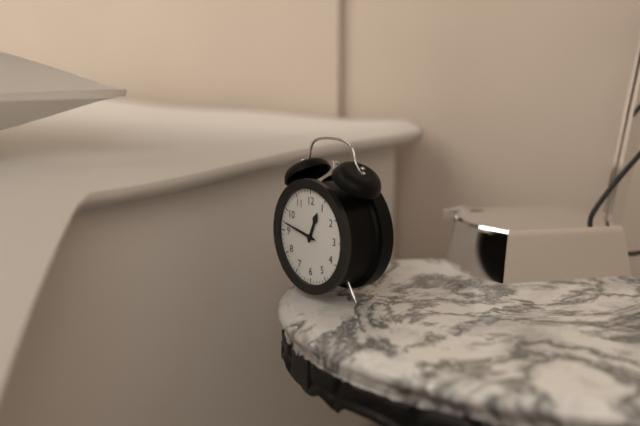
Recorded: 12,47
